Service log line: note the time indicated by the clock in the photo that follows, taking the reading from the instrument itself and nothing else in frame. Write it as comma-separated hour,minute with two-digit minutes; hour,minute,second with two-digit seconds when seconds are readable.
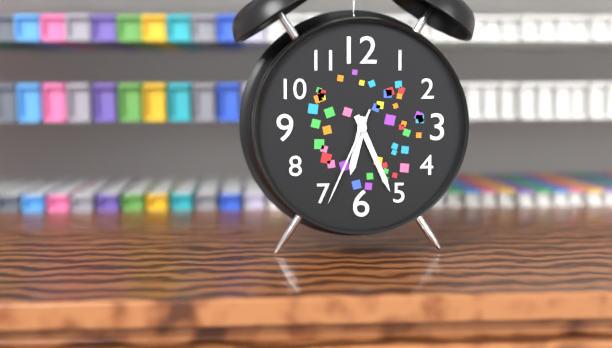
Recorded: 6,26,34
